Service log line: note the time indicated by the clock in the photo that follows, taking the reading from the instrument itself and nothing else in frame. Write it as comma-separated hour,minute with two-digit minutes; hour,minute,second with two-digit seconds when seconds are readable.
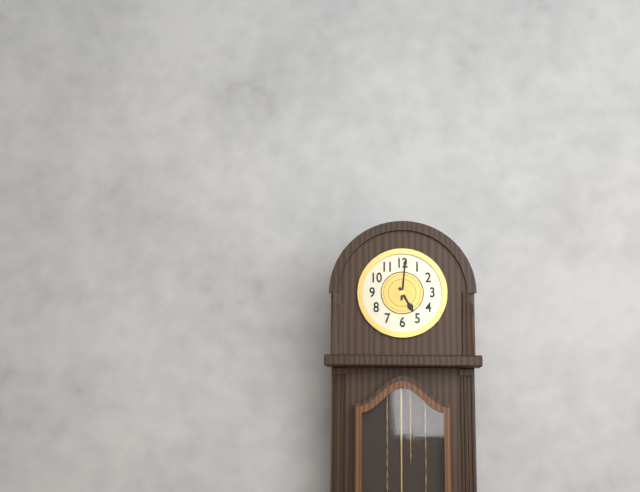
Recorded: 5,01
